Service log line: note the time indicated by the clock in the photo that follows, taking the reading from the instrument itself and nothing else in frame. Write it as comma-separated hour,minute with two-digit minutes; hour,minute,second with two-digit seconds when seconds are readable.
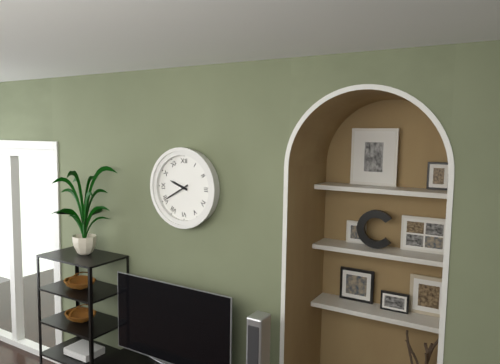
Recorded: 9,40
